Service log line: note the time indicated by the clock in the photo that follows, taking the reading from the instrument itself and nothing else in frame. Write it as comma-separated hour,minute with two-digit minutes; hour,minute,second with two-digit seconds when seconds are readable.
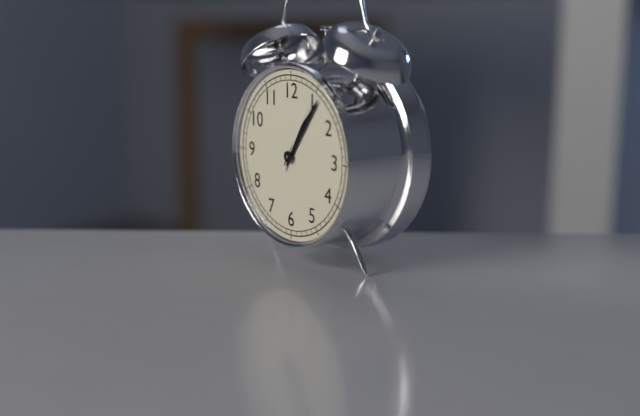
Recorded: 1,06,05
